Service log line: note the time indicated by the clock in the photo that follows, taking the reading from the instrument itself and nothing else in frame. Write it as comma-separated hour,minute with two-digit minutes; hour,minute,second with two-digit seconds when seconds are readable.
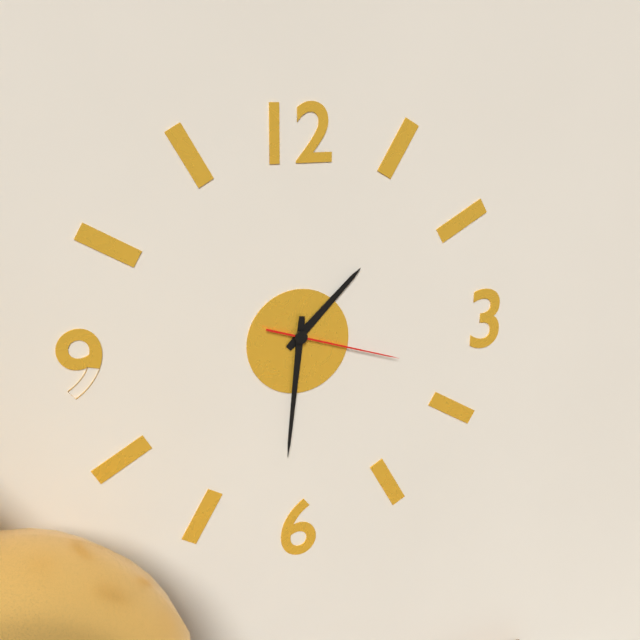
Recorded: 1,31,18
